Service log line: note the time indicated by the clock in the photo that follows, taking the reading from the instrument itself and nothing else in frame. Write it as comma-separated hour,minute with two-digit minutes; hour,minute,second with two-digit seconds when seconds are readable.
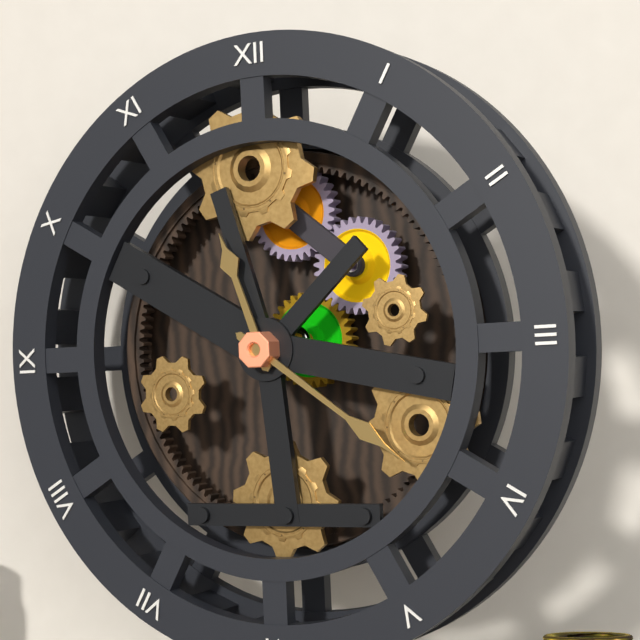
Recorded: 11,21
